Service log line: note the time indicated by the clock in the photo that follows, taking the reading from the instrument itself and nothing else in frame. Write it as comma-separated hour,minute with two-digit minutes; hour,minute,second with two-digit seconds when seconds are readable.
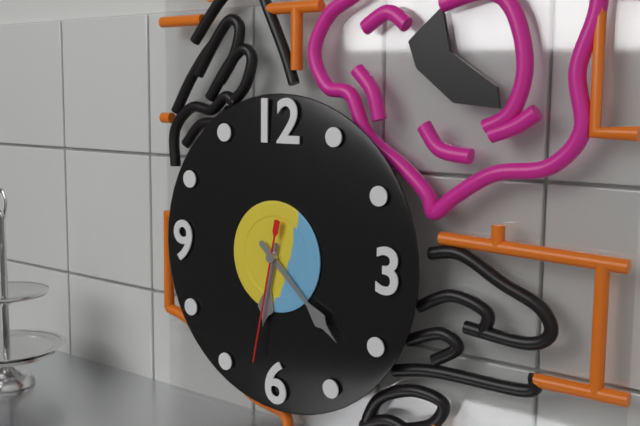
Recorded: 6,22,32
